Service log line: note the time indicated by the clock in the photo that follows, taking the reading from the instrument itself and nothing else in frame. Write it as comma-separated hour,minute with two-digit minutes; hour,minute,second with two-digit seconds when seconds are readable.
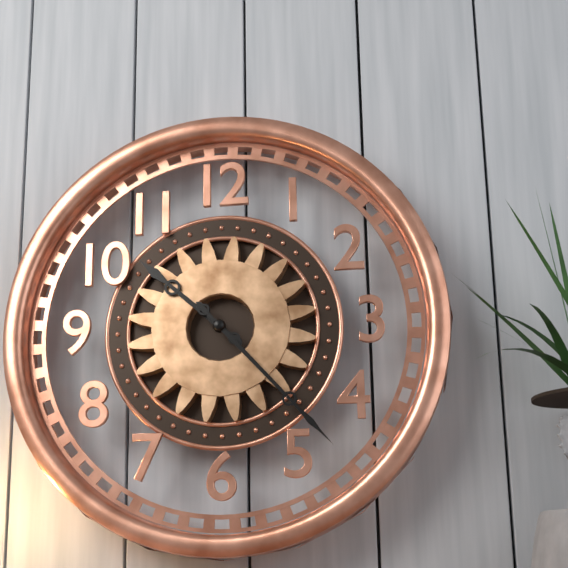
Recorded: 10,23
